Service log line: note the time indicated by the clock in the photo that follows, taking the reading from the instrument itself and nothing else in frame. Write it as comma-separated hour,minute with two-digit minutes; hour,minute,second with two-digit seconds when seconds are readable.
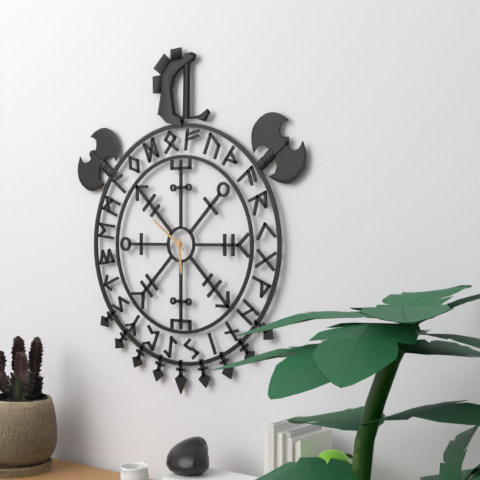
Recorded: 5,51
